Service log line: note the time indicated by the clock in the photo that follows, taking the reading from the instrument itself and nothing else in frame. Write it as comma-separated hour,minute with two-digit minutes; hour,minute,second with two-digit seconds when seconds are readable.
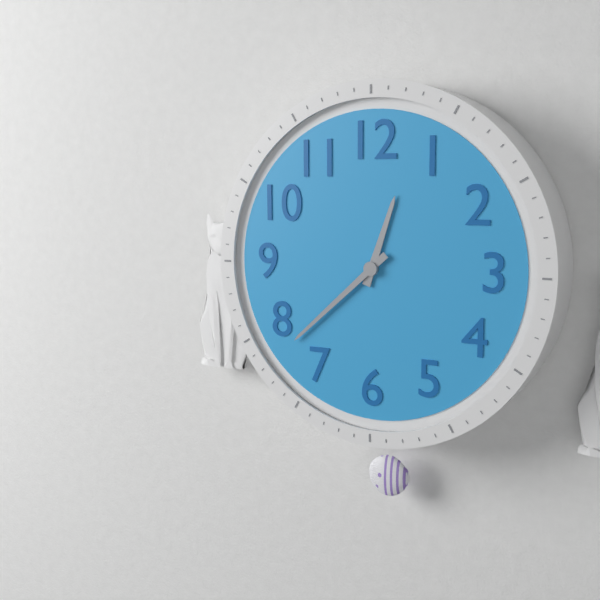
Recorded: 12,38
